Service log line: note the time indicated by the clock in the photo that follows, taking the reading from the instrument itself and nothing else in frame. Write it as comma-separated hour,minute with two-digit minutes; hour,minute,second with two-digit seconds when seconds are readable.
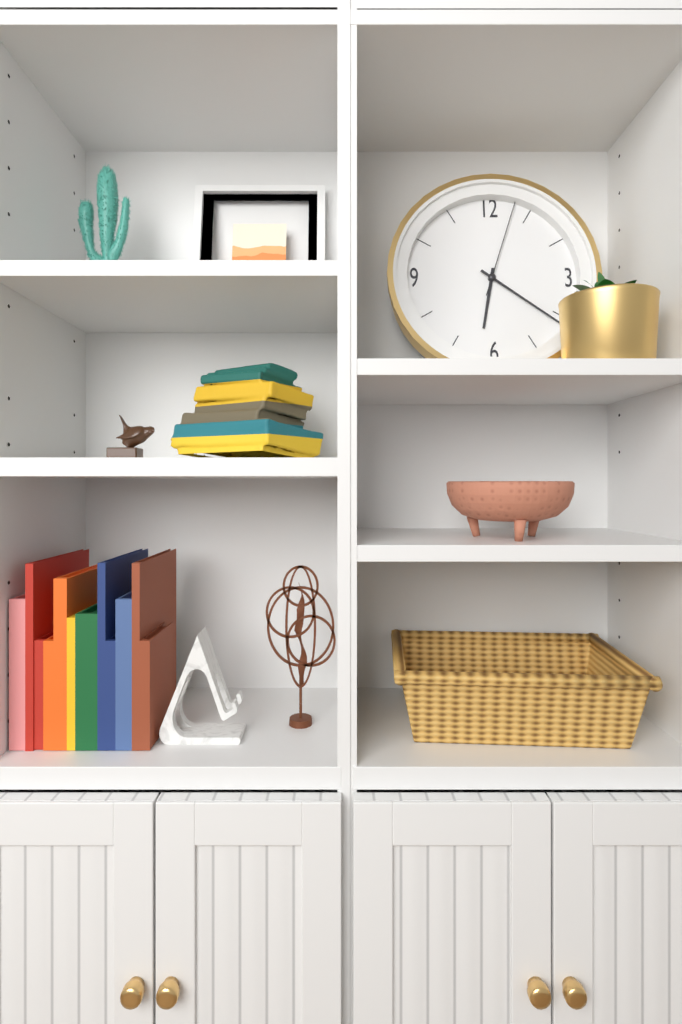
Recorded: 6,21,03
